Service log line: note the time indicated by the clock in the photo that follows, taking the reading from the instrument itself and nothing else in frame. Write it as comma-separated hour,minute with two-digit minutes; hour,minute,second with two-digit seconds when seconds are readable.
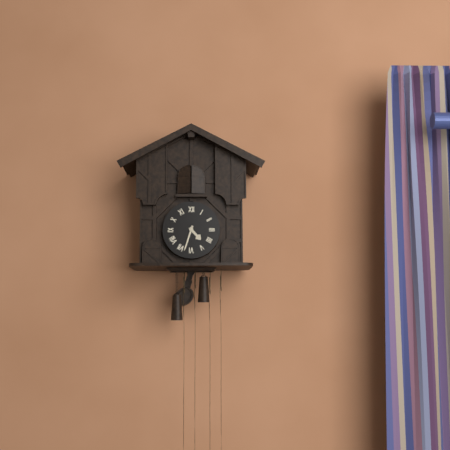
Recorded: 4,33
